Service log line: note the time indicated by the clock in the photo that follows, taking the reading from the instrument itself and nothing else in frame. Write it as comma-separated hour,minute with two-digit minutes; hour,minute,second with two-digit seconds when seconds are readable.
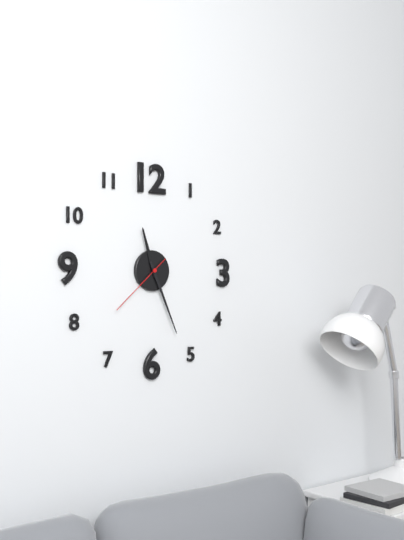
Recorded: 11,26,38
